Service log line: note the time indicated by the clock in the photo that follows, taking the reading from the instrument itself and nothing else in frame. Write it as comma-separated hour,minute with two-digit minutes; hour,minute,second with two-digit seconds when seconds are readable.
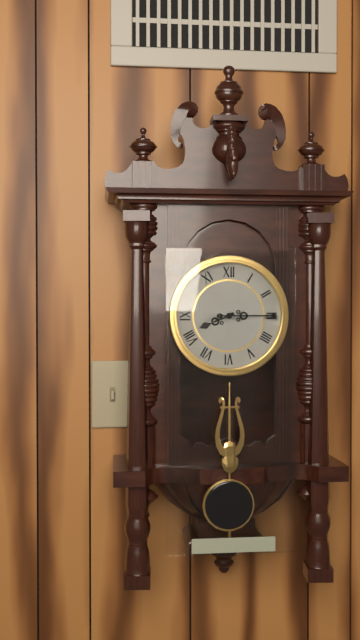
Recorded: 8,15
